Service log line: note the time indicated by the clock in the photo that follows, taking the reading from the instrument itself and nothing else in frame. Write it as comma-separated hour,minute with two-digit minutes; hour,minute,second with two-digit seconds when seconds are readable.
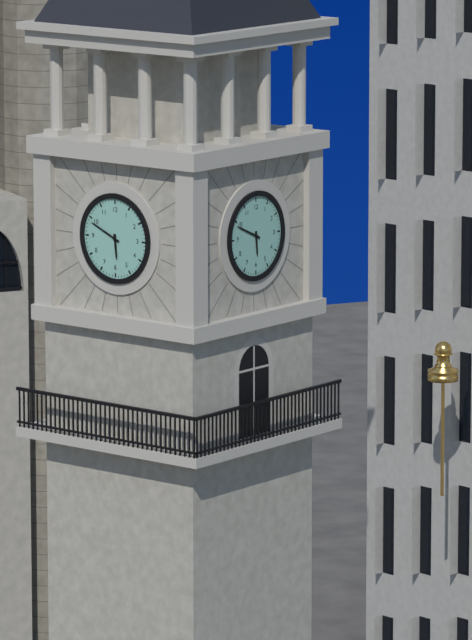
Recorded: 5,49
